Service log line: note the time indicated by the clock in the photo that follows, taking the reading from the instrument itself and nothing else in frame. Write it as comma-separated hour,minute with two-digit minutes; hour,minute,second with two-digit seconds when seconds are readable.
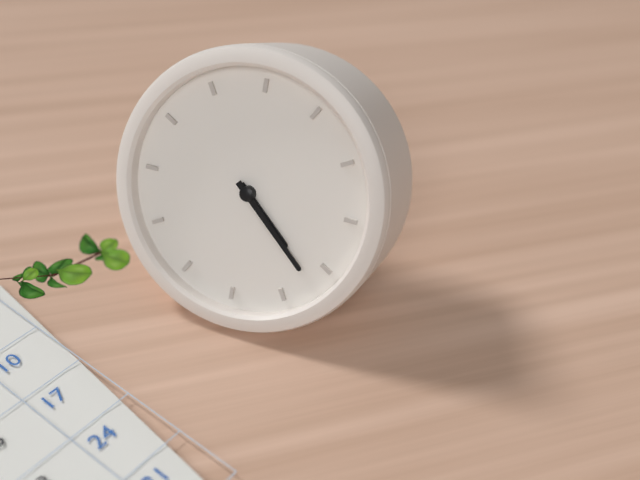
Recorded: 4,22
